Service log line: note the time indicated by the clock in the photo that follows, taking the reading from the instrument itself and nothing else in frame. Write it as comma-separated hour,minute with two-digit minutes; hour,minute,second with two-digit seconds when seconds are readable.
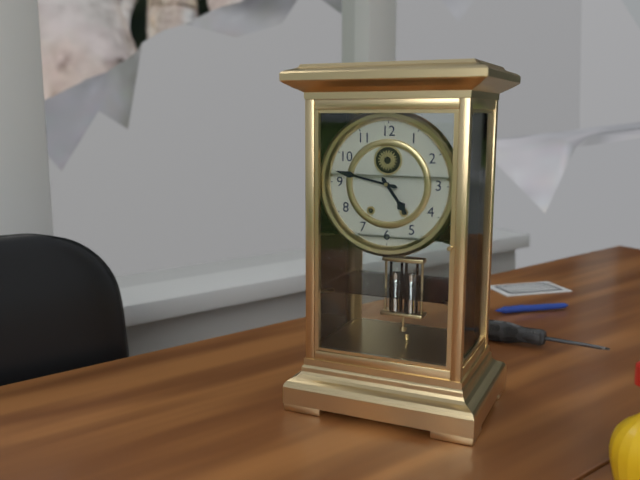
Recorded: 4,47
